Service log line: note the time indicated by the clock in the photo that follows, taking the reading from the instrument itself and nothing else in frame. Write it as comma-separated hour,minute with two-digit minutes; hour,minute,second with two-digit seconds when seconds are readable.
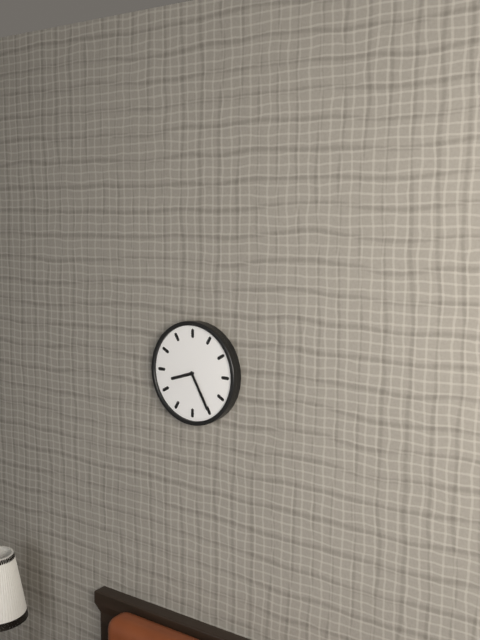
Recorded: 8,25
